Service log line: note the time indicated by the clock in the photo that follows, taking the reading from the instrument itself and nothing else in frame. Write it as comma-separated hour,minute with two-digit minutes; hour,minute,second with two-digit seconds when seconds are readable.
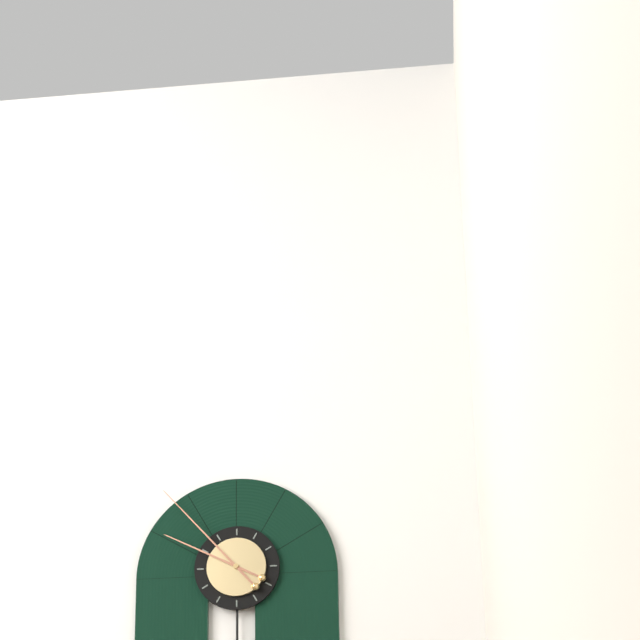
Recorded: 9,53
